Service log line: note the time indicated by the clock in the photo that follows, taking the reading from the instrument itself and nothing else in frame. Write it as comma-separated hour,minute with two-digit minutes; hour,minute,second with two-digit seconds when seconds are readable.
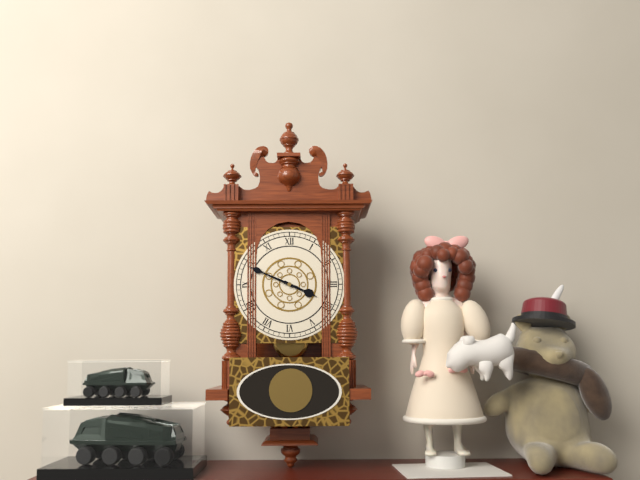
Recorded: 3,49
